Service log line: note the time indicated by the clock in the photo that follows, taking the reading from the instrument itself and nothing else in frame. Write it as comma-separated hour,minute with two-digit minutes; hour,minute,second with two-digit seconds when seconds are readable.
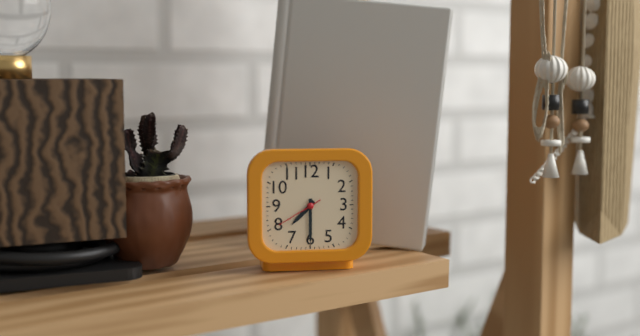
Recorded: 7,30
